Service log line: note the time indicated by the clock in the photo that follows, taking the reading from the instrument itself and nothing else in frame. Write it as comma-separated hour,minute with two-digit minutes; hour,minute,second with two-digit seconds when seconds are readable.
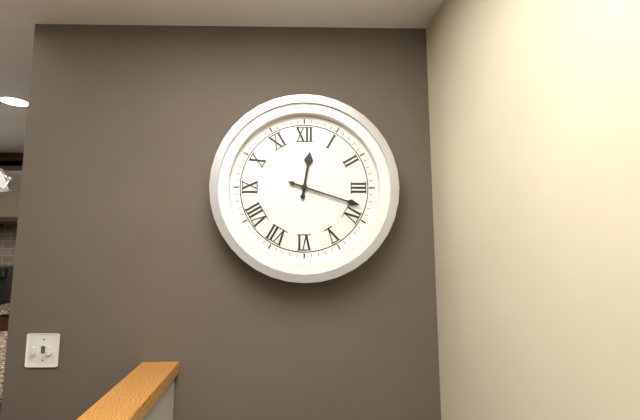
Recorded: 12,18
